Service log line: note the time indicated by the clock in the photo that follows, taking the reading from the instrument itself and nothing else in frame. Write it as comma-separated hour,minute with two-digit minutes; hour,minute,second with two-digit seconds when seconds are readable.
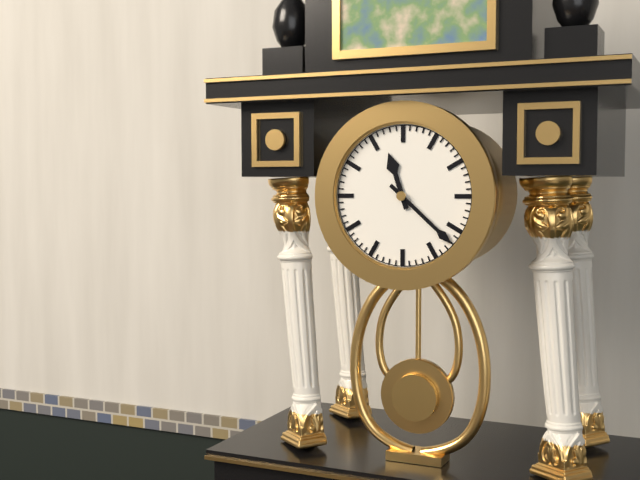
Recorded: 11,22
